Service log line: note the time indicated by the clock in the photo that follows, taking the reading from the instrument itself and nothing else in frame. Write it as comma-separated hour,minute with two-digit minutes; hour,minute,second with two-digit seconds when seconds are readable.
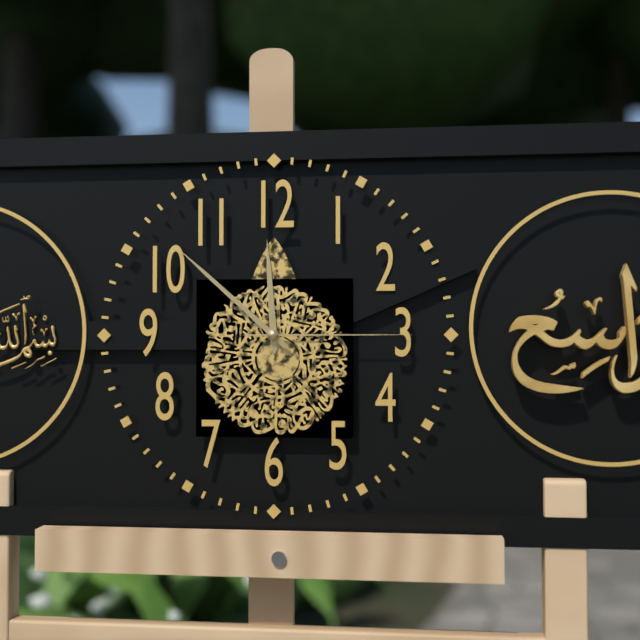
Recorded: 11,52,15
